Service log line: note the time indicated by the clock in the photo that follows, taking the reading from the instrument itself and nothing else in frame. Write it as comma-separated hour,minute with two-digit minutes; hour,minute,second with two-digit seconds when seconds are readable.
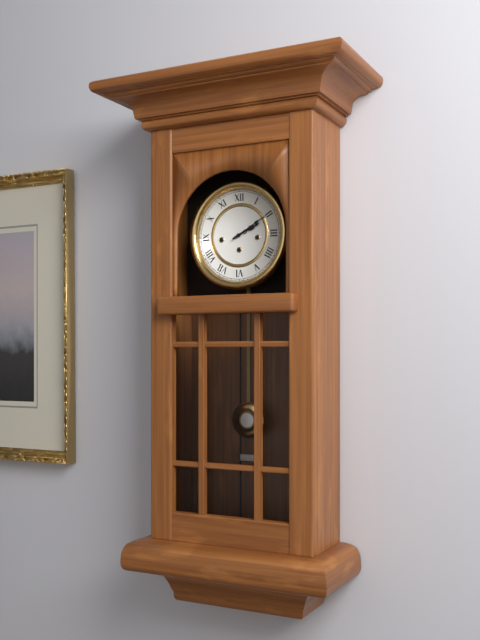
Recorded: 2,10
